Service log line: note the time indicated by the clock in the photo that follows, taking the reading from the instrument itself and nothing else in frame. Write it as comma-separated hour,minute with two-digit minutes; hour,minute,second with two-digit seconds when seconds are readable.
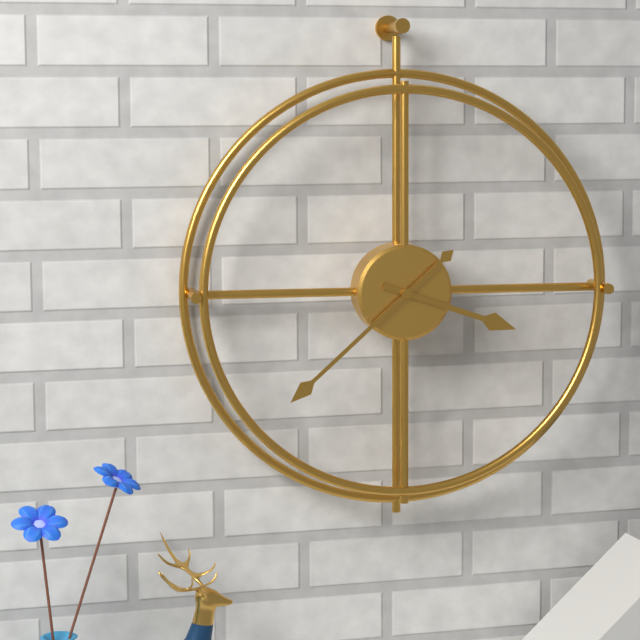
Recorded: 3,38
